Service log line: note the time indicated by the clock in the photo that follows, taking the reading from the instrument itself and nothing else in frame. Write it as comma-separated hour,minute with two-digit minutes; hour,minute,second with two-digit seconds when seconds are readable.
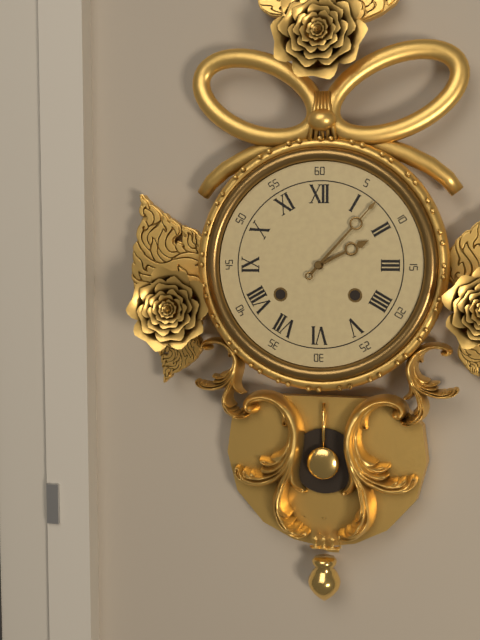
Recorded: 2,07
